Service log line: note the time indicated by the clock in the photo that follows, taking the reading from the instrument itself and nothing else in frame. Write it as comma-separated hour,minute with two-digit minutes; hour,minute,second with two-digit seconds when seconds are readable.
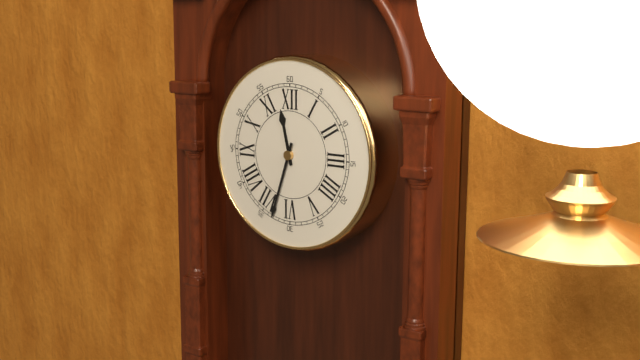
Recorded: 11,33
